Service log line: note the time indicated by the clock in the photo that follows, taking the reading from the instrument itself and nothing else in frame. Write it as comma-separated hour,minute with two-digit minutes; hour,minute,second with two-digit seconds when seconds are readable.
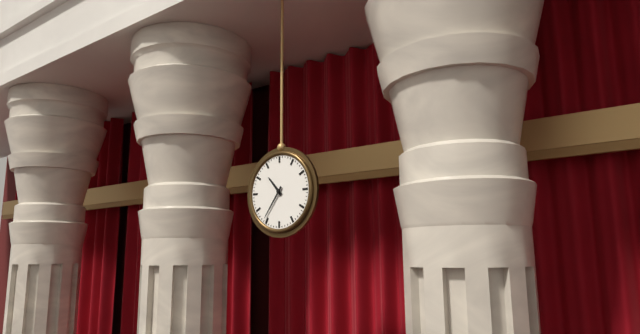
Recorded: 10,36
